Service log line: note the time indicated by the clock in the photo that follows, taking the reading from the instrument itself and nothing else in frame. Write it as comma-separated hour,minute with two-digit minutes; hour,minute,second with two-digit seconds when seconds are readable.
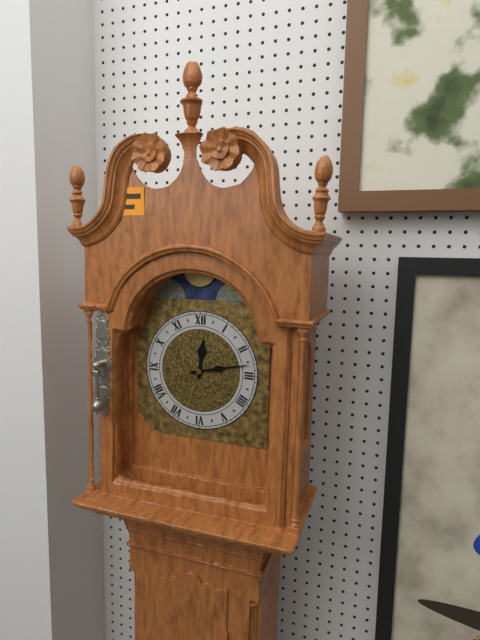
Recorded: 12,13
